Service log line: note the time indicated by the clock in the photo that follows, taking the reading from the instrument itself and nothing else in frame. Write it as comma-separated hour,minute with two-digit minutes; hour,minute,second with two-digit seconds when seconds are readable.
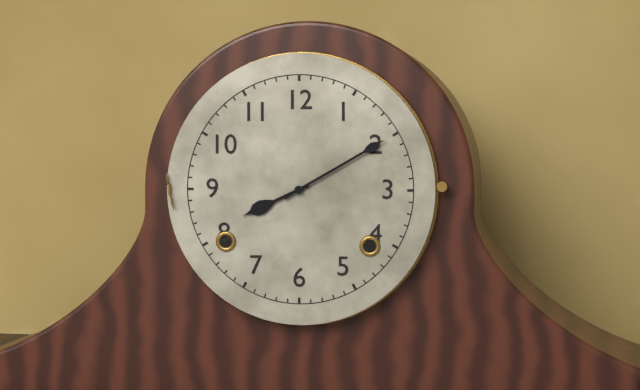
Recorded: 8,10
